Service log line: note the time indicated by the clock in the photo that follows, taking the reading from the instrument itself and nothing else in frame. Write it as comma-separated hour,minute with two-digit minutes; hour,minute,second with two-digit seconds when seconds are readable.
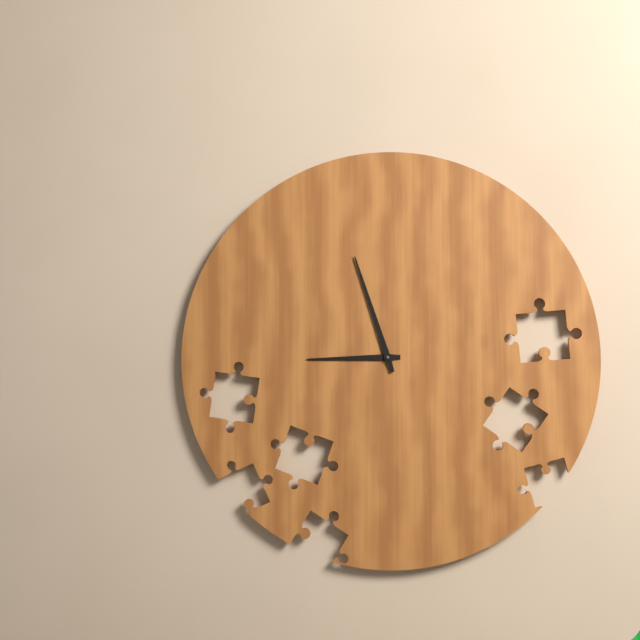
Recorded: 8,57
